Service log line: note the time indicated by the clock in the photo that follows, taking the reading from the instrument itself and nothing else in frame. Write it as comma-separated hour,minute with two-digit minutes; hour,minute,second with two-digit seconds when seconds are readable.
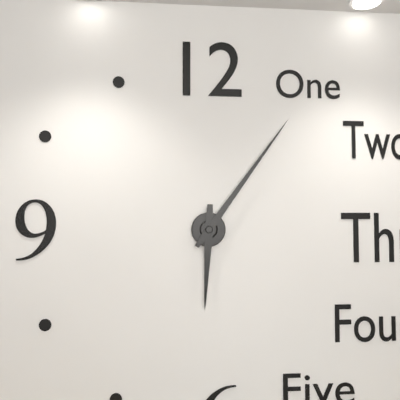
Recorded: 6,06
